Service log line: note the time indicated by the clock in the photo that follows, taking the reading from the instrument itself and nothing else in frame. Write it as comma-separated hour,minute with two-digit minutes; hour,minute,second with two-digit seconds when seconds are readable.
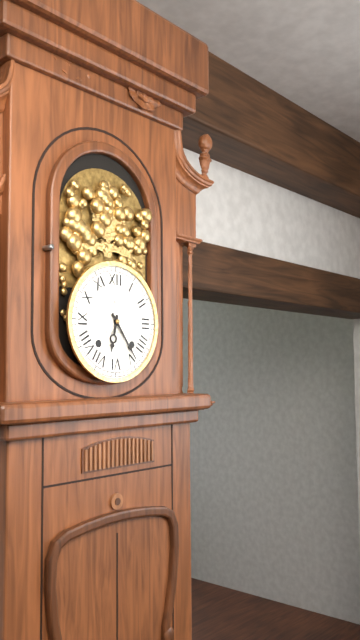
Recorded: 6,24
